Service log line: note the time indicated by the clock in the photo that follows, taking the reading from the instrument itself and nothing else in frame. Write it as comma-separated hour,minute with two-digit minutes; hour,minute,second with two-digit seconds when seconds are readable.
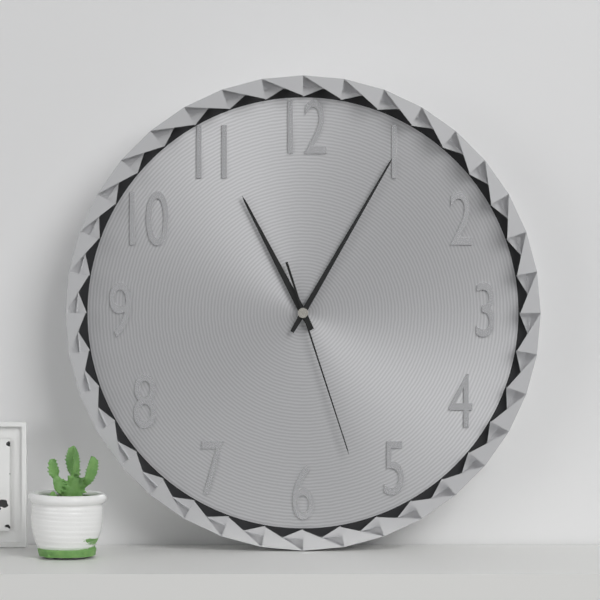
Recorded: 11,05,27
